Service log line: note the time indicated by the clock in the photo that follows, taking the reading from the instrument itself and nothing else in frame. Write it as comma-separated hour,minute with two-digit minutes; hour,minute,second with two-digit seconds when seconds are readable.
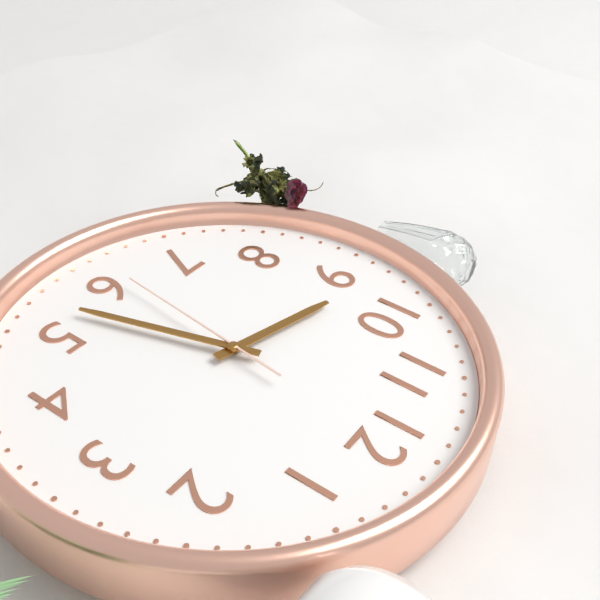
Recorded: 9,27,31
